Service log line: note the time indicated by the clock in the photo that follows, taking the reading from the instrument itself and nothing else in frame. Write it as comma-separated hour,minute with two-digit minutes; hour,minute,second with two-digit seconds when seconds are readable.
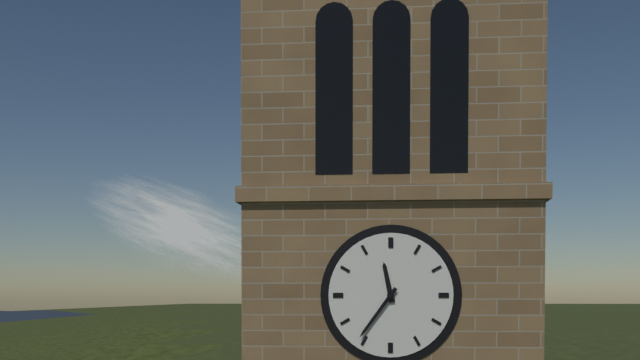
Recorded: 11,36
